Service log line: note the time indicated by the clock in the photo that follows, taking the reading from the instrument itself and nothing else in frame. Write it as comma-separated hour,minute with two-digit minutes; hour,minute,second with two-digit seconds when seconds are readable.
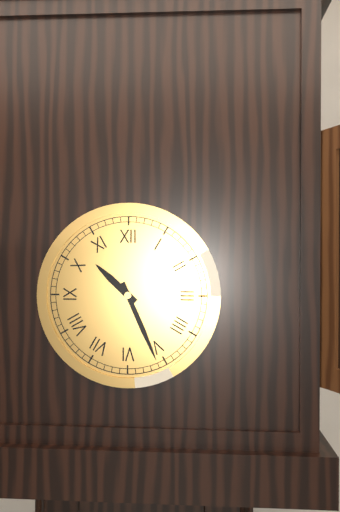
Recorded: 10,26
